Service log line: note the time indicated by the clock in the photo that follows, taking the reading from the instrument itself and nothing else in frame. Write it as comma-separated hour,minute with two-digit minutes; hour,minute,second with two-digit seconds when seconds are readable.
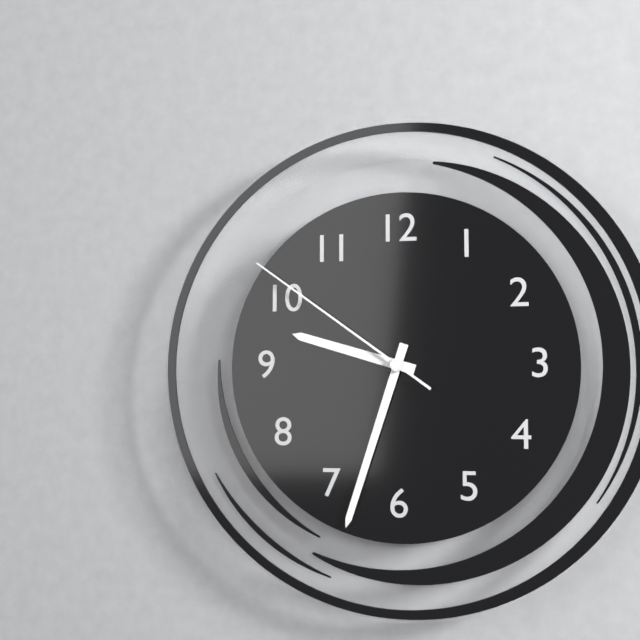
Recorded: 9,33,51
